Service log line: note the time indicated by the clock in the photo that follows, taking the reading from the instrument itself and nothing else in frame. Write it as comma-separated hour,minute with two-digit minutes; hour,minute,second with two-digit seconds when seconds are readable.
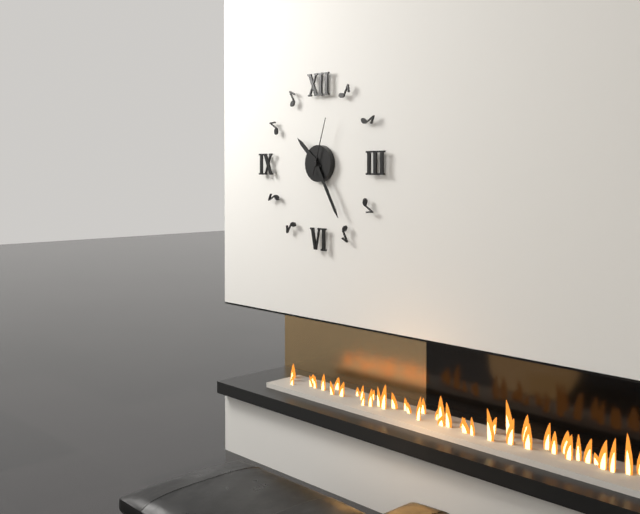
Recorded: 10,25,03
